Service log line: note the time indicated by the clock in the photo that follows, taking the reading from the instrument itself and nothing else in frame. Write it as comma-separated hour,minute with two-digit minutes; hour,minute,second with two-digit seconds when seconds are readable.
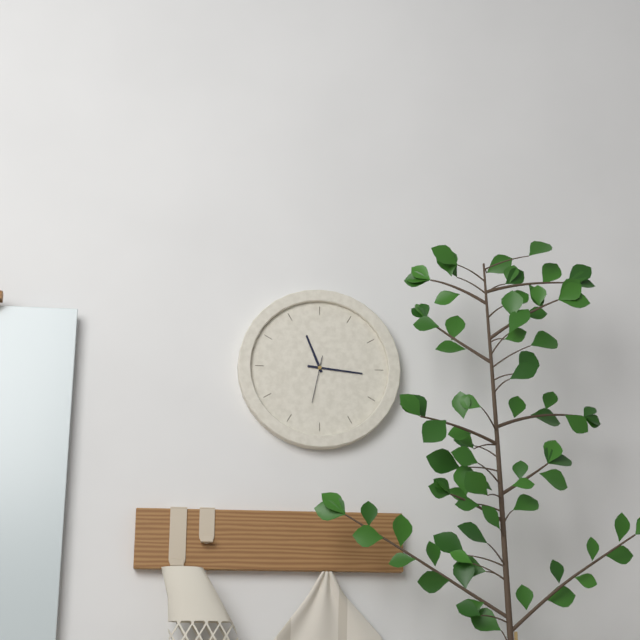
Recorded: 11,16
